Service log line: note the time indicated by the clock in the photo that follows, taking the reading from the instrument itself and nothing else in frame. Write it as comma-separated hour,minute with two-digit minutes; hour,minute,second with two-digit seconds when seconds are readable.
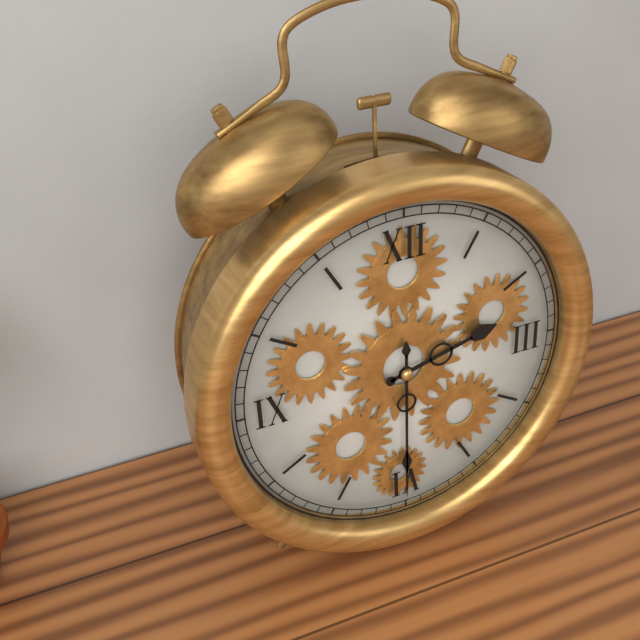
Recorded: 2,30
